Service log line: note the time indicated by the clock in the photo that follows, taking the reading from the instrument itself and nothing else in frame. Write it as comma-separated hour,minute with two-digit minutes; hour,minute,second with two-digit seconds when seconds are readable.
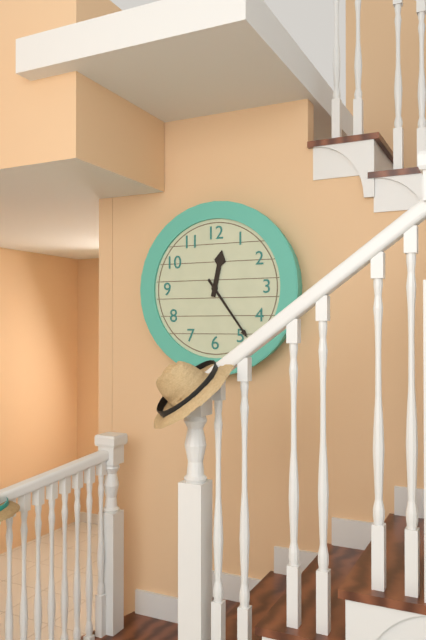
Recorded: 12,24
